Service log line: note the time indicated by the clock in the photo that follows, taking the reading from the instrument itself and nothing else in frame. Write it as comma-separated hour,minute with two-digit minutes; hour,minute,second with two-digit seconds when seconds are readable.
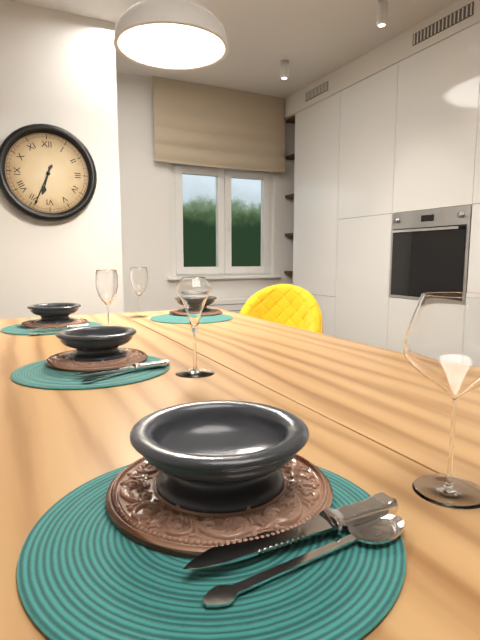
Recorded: 6,34
